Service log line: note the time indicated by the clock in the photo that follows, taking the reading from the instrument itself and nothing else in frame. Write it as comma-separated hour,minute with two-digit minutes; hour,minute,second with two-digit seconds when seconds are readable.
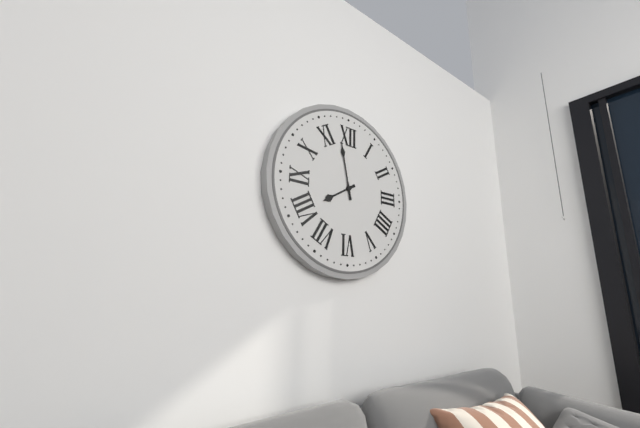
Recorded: 7,58
